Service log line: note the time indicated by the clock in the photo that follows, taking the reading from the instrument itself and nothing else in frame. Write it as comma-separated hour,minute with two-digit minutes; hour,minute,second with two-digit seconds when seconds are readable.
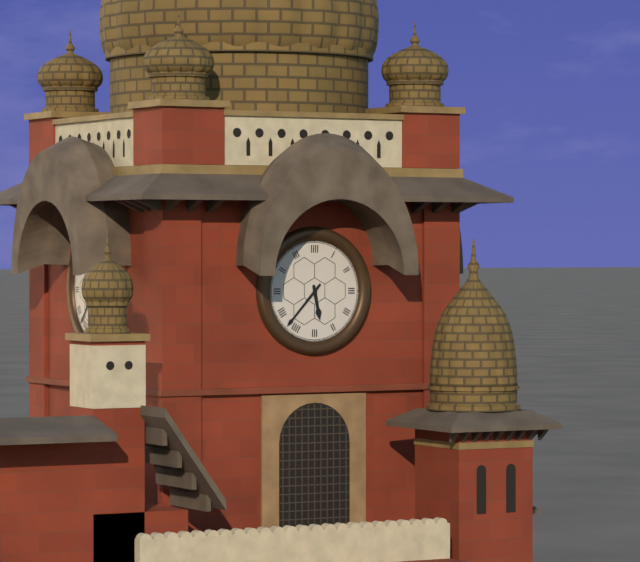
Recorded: 5,37
